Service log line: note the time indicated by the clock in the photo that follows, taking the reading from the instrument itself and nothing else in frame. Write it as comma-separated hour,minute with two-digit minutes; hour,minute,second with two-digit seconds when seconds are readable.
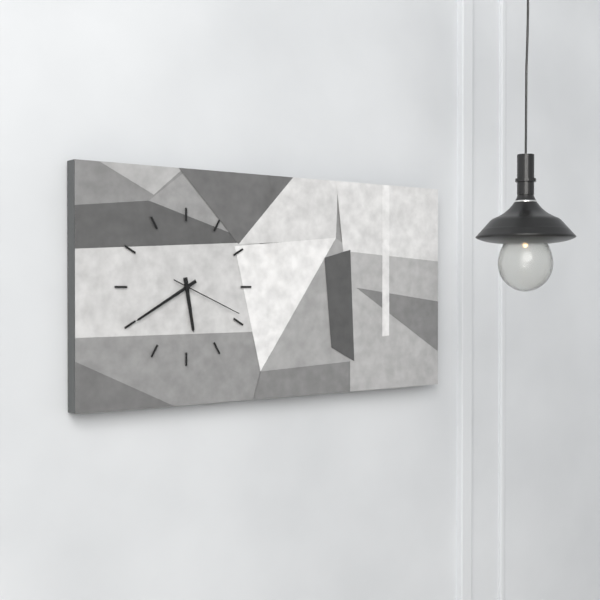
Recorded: 5,40,19
